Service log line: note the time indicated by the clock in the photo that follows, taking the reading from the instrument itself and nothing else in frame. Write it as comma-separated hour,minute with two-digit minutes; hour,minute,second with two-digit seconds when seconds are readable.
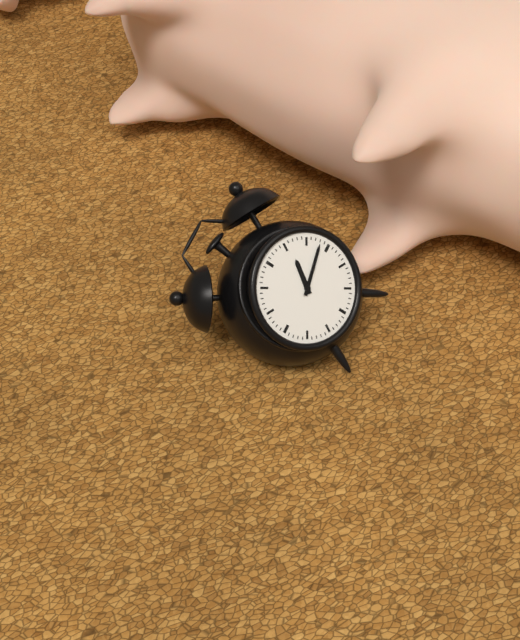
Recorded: 1,13
